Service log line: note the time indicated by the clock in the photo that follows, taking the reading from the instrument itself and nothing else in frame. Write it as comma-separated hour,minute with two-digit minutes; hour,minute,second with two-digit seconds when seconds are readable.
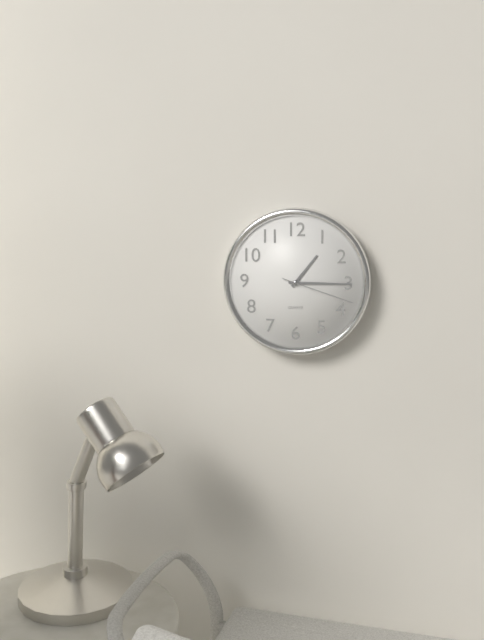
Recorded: 1,15,18
